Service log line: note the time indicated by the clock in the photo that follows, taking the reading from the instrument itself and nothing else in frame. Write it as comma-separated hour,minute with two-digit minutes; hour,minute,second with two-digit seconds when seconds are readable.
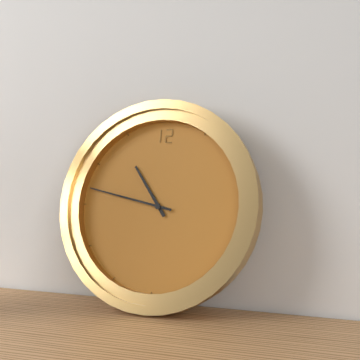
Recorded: 10,47
